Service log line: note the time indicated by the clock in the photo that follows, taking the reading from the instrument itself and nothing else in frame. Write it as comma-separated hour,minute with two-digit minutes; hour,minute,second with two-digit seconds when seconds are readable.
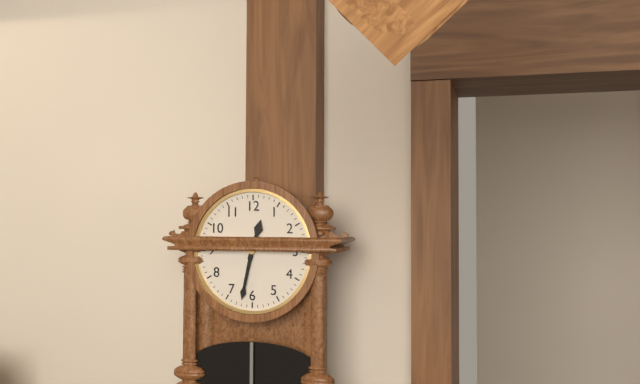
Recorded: 12,32
